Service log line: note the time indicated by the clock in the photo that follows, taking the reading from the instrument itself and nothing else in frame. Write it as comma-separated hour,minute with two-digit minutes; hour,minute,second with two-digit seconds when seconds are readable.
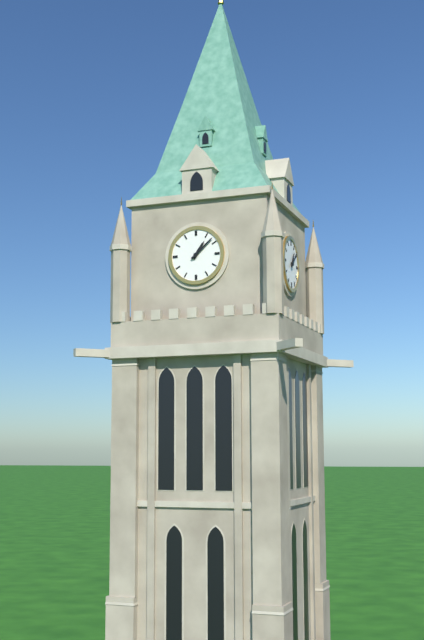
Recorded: 1,08
